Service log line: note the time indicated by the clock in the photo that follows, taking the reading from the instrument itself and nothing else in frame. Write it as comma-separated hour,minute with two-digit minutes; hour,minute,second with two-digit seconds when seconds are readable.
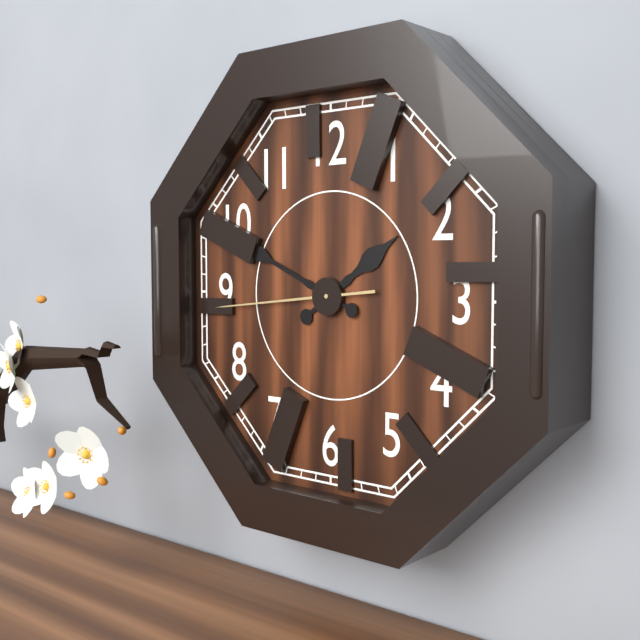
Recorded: 1,49,44
